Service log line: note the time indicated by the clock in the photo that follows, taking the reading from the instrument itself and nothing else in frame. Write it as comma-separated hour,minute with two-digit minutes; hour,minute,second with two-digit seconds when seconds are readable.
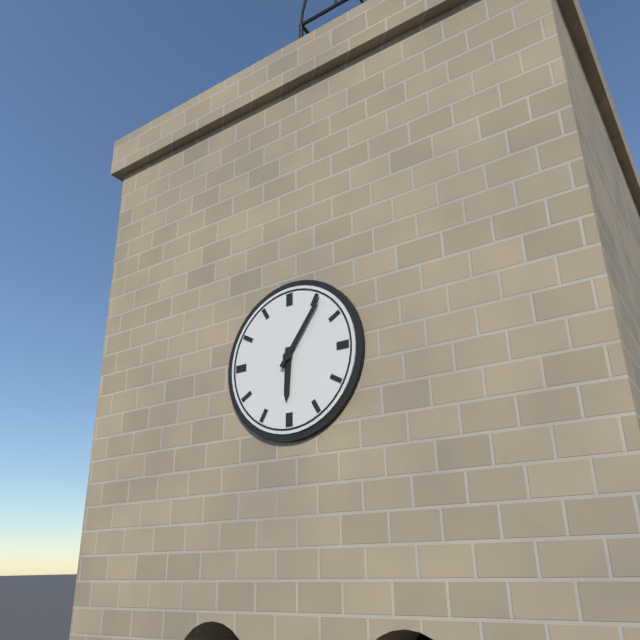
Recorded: 6,06
